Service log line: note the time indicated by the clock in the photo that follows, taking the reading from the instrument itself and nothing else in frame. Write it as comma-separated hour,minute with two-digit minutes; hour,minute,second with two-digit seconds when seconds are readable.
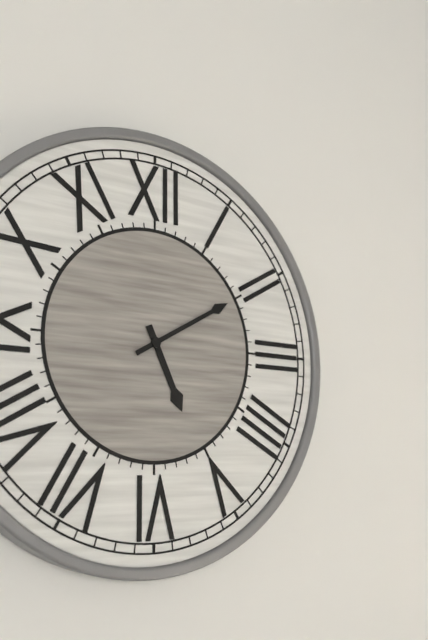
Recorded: 5,10
